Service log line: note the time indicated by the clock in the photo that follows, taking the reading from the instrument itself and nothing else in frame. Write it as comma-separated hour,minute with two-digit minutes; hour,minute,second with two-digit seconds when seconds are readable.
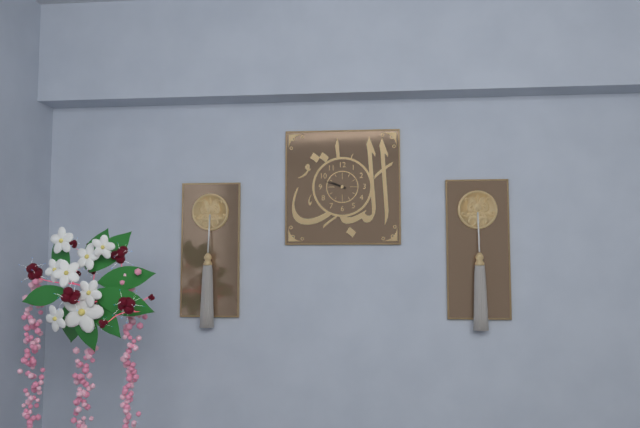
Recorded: 9,48
